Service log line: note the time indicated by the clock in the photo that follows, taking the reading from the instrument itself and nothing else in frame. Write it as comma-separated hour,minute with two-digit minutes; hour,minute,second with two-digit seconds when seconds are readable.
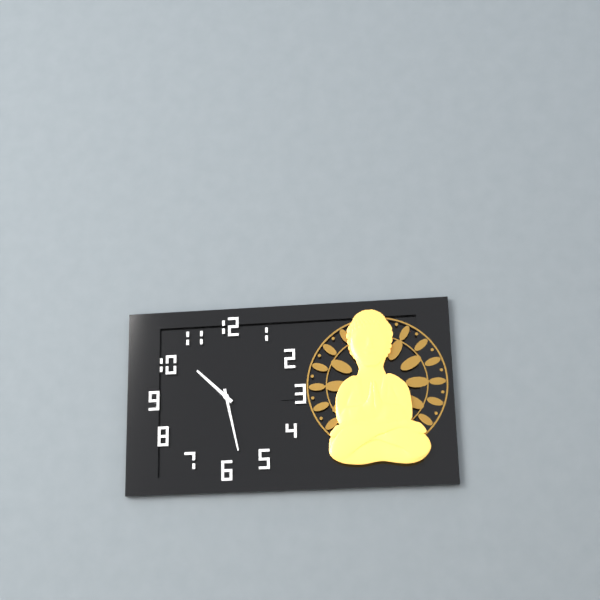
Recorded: 10,28
